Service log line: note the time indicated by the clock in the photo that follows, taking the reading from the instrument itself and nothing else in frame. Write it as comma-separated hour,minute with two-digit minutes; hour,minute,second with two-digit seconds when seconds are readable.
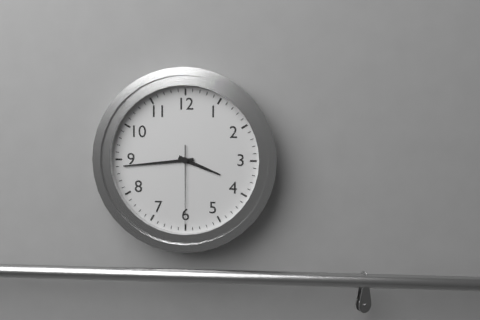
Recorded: 3,44,30
